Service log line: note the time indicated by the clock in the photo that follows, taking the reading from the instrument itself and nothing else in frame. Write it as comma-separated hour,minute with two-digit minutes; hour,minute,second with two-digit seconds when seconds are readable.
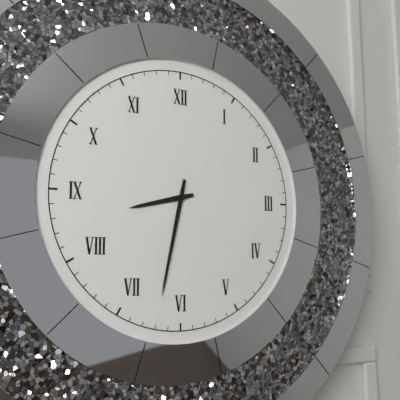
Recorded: 8,32
